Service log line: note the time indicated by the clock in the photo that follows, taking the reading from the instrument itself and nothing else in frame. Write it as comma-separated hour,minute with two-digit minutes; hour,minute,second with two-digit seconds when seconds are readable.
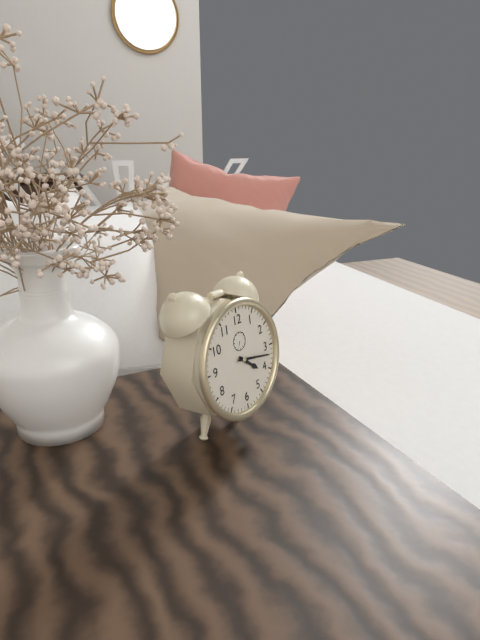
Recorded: 4,17
